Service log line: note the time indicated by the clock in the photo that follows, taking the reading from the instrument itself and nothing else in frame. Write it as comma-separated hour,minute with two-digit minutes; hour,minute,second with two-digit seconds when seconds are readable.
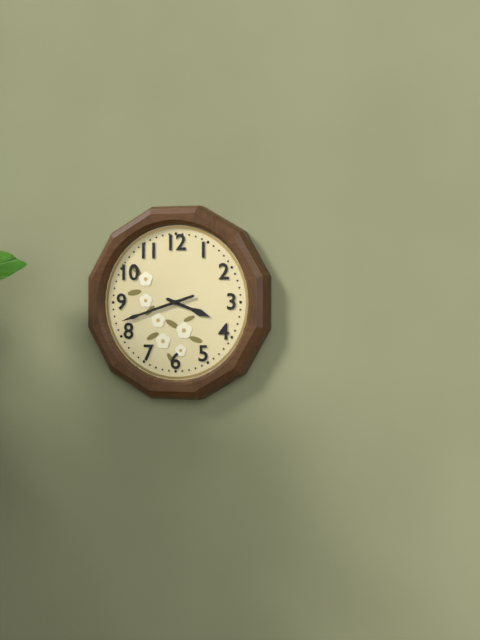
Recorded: 3,42
